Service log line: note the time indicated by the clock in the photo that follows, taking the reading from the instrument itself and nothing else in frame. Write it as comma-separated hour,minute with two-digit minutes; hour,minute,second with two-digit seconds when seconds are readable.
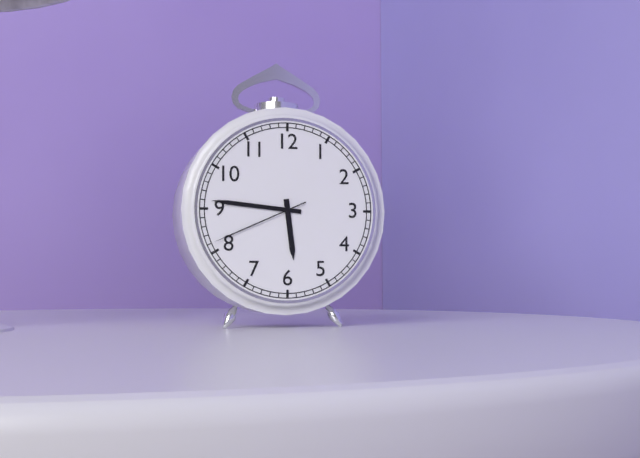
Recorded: 5,46,41
